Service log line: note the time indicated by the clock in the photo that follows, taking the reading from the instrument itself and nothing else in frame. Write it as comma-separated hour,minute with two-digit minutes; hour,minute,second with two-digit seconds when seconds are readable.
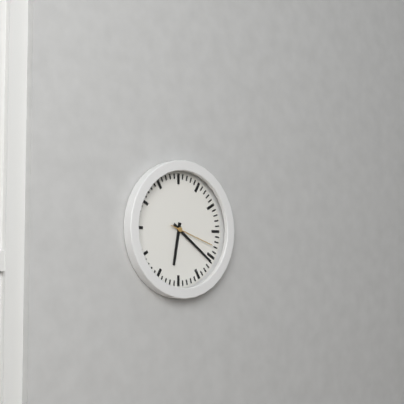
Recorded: 6,21
